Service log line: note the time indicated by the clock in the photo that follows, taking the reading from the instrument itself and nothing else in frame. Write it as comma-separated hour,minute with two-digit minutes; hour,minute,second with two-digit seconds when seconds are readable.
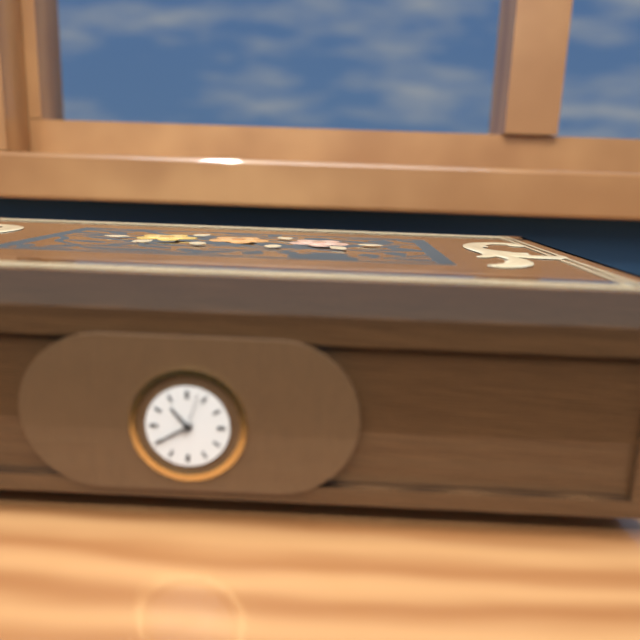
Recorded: 10,40,03
